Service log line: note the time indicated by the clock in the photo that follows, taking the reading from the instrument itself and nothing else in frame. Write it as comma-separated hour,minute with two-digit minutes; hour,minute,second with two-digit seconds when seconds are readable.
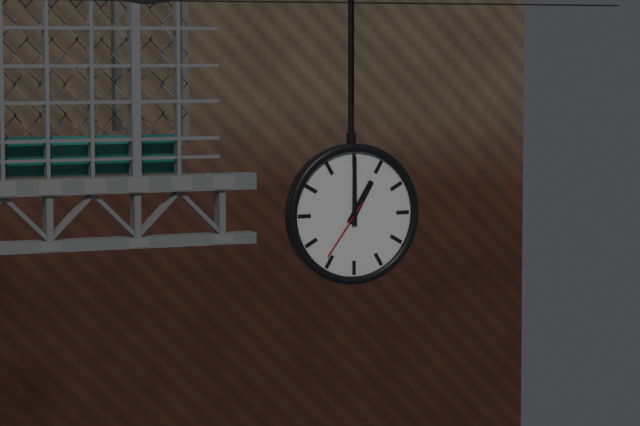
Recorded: 1,00,36
